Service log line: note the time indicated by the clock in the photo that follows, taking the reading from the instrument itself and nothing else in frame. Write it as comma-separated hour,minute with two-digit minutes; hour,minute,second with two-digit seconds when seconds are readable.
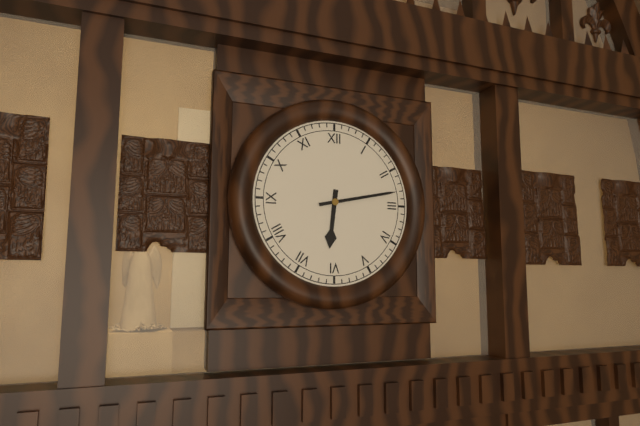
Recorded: 6,13
